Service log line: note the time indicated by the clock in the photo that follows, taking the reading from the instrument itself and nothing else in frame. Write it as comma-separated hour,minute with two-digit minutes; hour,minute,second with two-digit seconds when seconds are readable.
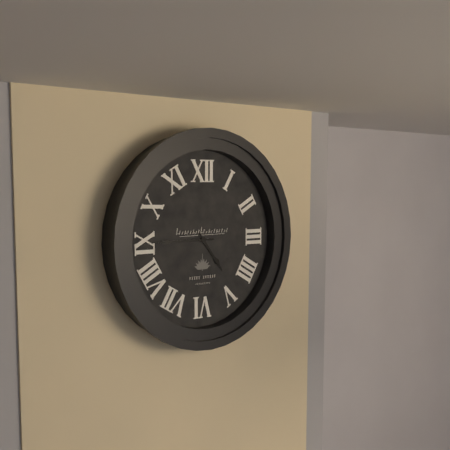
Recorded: 4,45
